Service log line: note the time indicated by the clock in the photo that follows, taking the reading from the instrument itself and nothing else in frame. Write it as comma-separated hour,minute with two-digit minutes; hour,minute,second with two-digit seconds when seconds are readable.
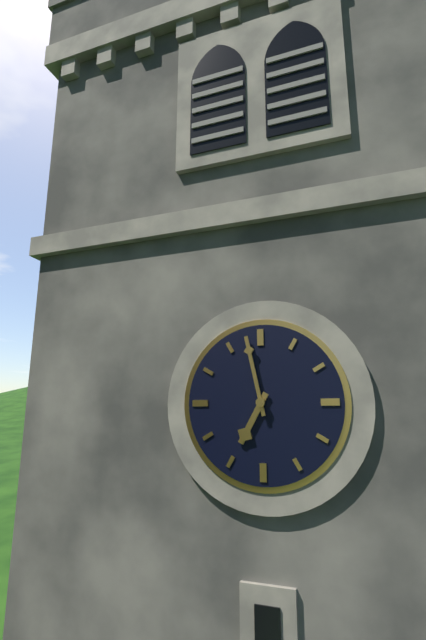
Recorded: 6,58
